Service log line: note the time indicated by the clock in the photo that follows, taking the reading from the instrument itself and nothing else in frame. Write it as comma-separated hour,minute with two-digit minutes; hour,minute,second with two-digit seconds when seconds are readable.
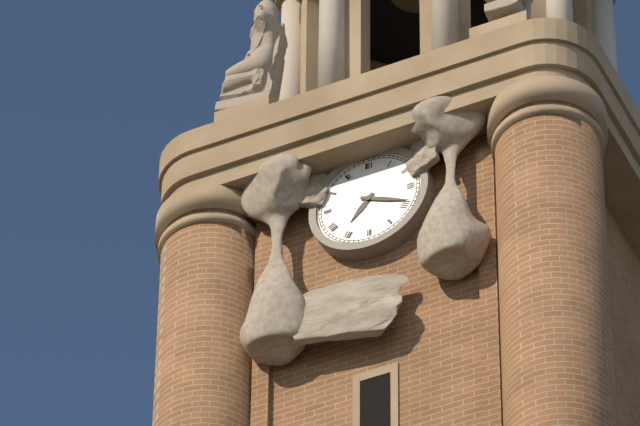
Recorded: 7,19
